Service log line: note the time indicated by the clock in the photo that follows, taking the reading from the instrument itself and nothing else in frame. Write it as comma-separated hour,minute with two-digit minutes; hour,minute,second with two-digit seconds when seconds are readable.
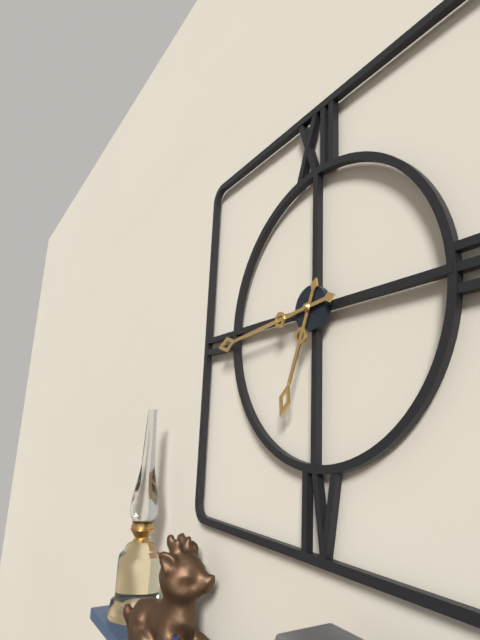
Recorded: 6,44
